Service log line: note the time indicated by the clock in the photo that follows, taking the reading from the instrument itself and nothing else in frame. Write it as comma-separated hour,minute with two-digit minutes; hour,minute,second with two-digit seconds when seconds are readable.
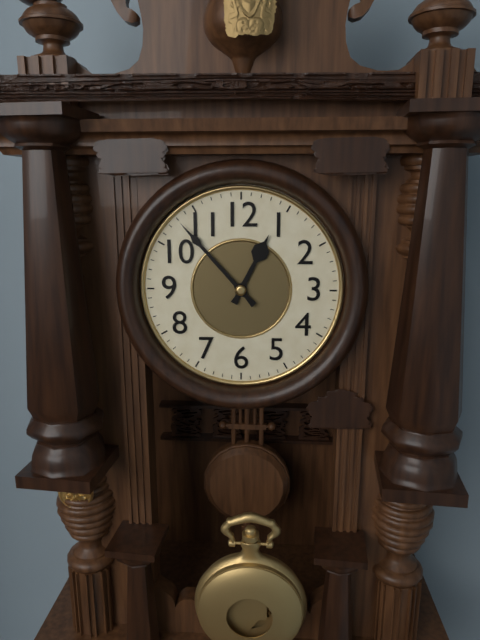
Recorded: 12,53
